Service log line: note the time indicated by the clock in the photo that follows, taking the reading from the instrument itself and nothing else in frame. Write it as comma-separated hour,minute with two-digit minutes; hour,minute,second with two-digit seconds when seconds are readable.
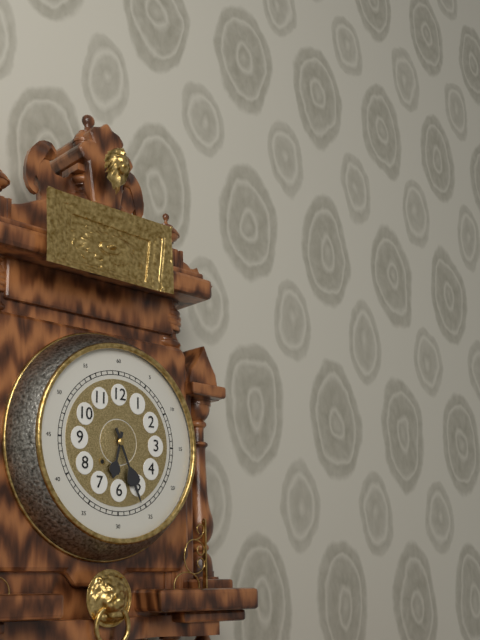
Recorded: 6,26
